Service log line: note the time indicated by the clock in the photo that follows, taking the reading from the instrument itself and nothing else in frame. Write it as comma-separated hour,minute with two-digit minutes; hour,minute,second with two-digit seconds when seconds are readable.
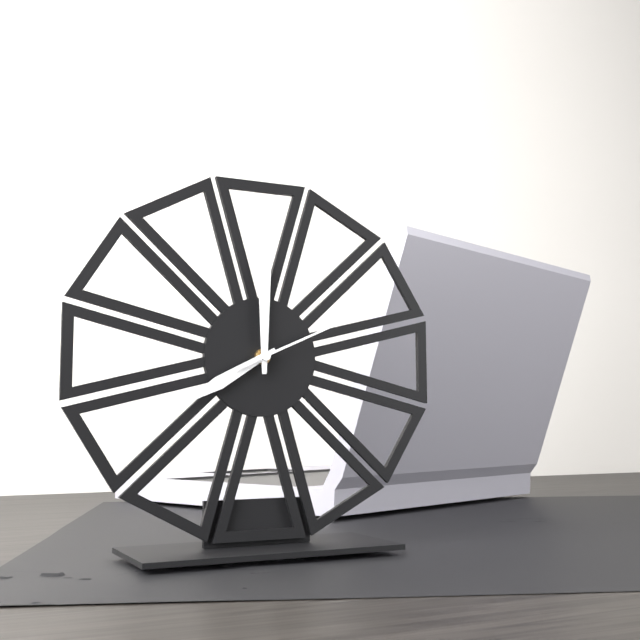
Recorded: 8,00,11
